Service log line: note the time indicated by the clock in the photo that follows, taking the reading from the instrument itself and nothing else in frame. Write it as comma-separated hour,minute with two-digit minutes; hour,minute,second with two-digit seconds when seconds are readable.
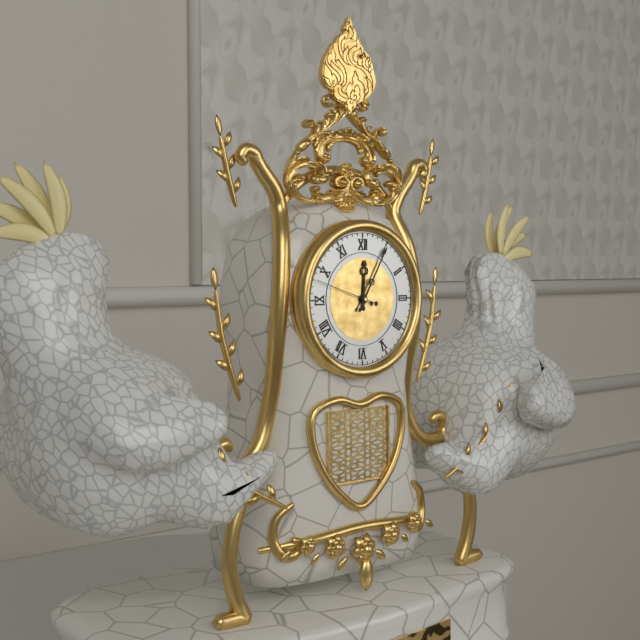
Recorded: 12,05,48
